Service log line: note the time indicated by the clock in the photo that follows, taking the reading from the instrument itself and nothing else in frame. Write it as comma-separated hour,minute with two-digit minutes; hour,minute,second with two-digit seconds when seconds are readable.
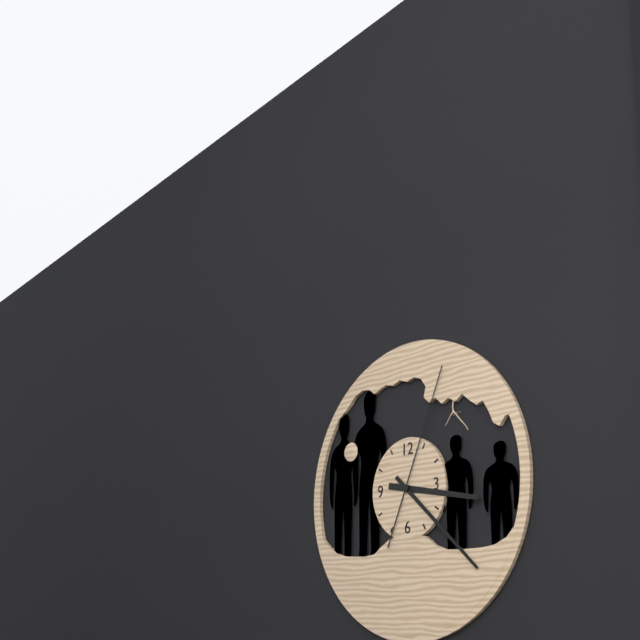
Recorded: 3,22,04
